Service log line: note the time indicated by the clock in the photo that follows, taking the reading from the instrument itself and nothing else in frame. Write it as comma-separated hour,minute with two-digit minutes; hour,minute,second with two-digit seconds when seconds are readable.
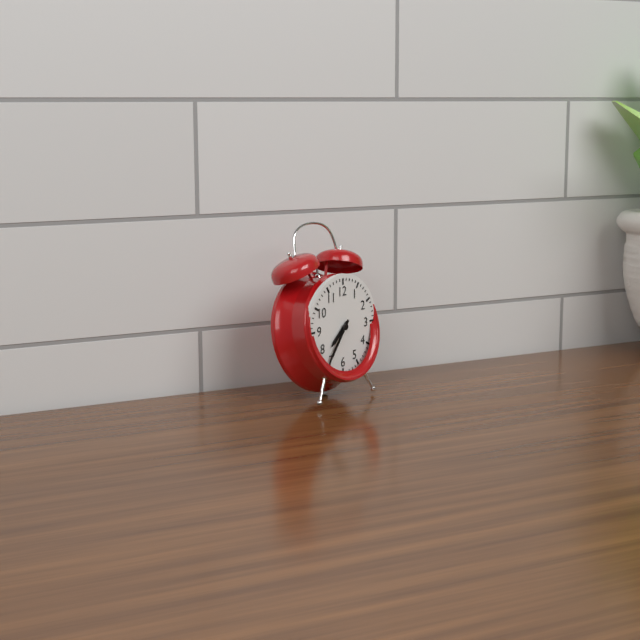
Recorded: 7,36
